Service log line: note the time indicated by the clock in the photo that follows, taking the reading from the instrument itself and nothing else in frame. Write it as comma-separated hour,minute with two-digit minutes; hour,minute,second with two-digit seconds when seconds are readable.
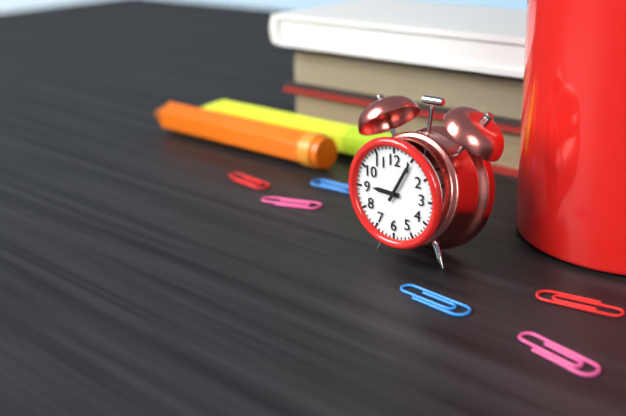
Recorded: 9,05
